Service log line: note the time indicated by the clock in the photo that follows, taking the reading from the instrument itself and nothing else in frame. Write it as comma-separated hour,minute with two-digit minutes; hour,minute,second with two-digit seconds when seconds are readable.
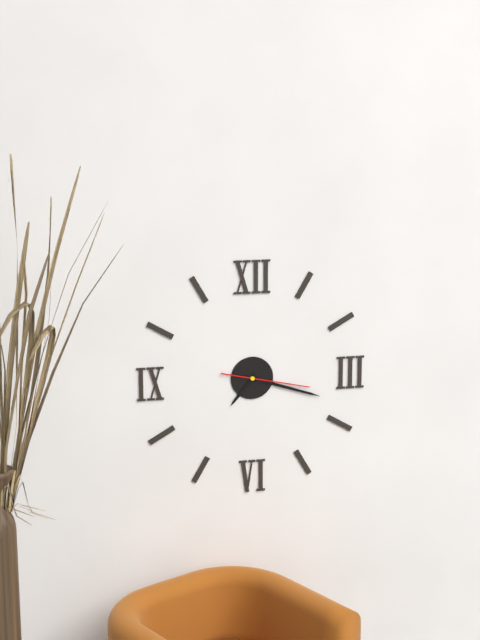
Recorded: 7,18,17
